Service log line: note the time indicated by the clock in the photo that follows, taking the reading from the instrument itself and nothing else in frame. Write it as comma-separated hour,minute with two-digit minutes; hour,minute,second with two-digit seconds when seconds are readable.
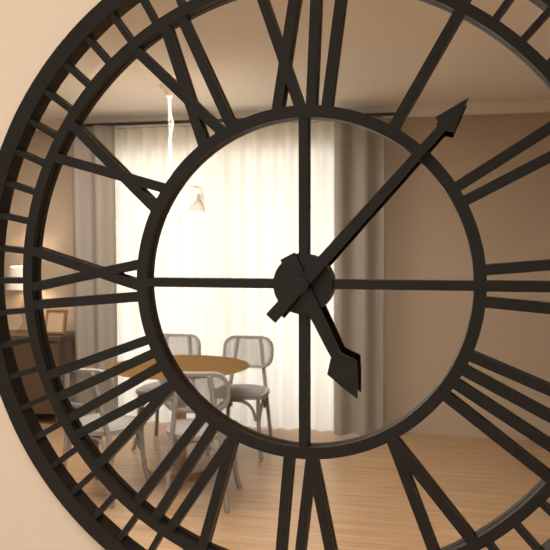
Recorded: 5,07
